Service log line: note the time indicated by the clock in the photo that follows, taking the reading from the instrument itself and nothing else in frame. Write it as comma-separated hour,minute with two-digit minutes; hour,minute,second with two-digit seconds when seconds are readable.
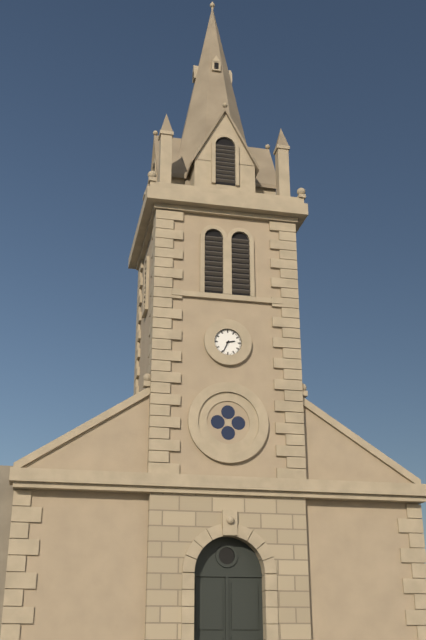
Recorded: 2,34
